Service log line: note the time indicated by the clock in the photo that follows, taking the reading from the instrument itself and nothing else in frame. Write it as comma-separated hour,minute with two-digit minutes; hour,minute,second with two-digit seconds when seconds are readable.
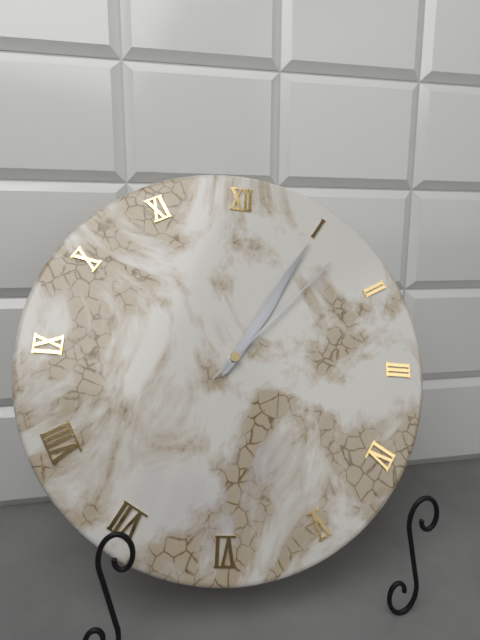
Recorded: 1,05,07
